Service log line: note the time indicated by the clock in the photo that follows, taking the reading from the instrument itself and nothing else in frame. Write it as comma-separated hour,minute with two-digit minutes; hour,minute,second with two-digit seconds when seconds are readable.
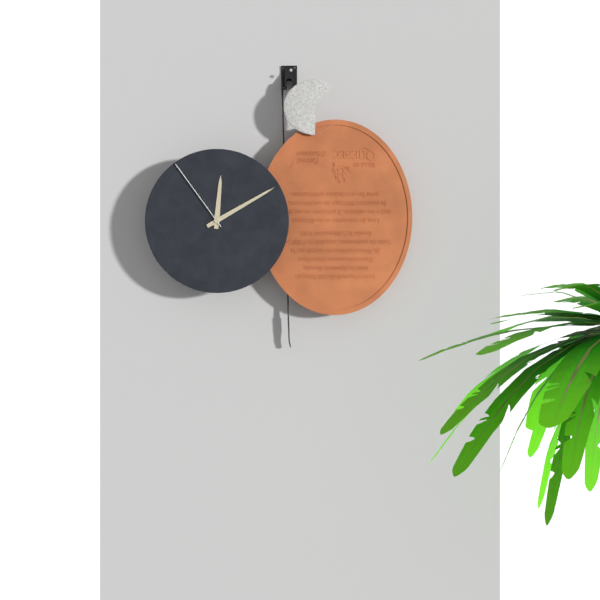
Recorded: 12,10,54
